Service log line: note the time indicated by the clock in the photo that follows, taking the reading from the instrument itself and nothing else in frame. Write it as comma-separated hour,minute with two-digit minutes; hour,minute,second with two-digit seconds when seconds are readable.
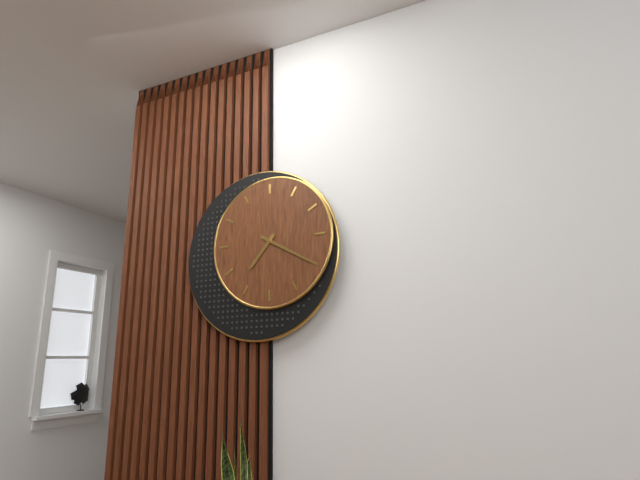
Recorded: 7,20
